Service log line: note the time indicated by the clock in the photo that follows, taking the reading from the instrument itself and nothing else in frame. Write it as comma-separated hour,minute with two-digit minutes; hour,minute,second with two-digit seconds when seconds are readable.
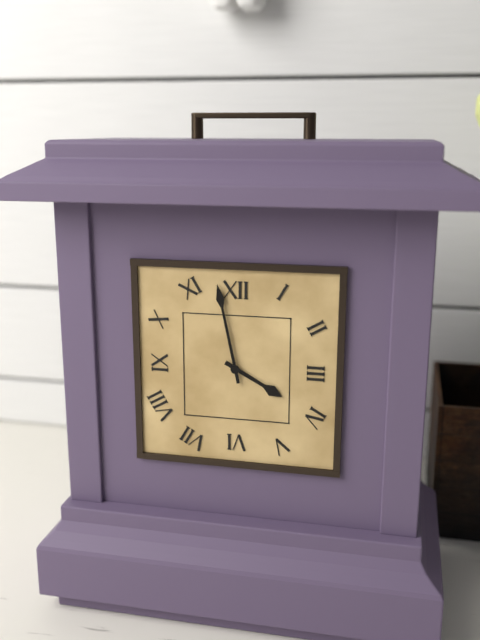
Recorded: 3,58
